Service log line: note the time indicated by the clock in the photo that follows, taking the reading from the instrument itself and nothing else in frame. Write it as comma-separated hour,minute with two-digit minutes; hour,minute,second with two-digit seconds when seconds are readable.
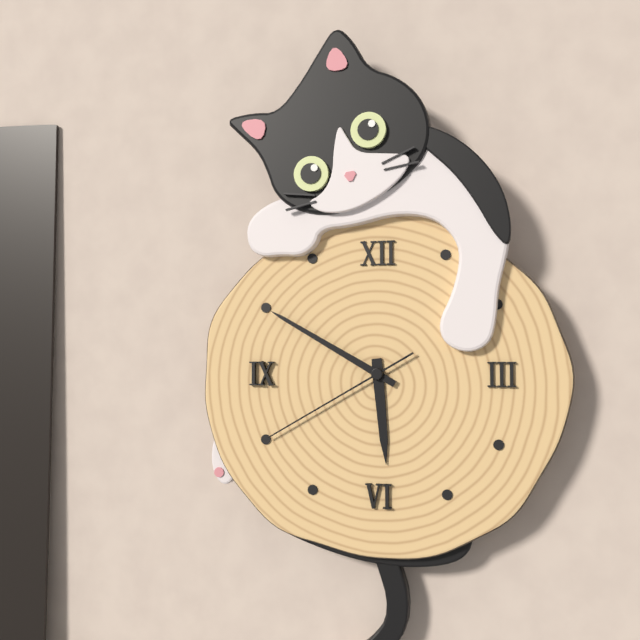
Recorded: 5,50,40
